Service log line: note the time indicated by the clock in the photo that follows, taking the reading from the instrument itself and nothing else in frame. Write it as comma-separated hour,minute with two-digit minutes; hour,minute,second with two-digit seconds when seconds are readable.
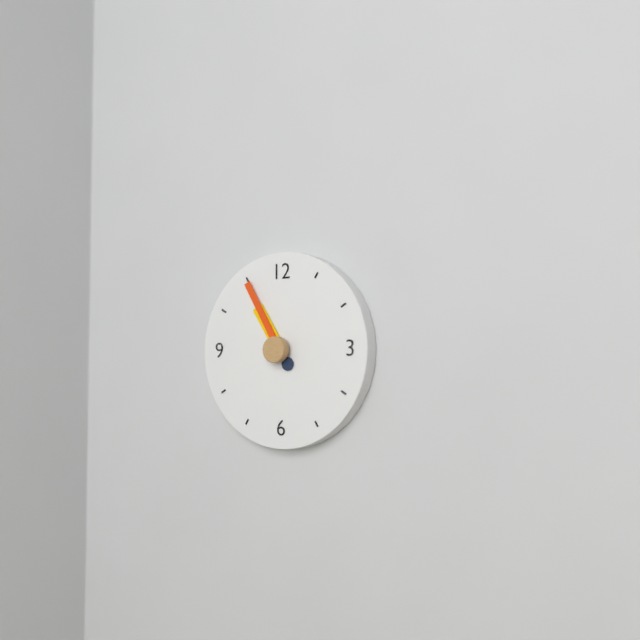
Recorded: 10,55
